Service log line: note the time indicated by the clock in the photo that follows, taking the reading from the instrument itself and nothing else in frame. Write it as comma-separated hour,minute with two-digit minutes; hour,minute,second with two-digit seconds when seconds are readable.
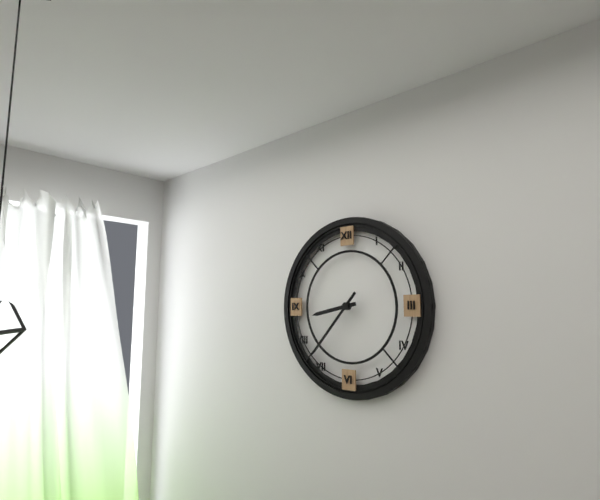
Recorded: 8,37
